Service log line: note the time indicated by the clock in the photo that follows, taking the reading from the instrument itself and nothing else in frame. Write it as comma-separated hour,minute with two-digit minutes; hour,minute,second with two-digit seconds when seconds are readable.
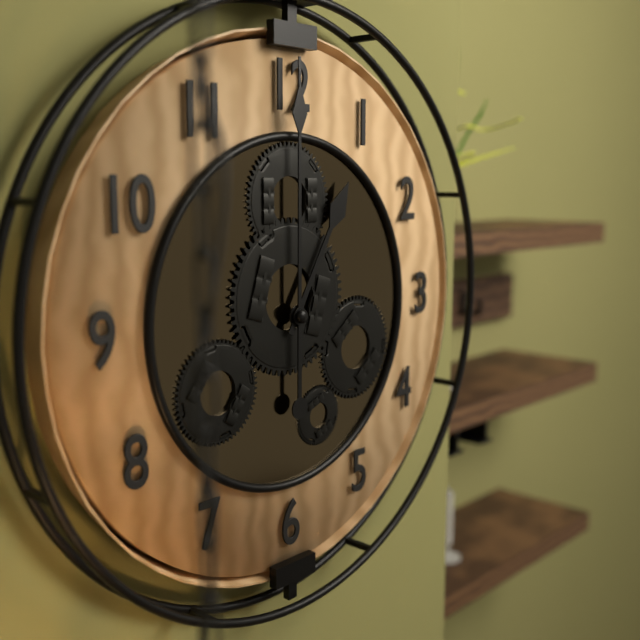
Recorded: 1,00
